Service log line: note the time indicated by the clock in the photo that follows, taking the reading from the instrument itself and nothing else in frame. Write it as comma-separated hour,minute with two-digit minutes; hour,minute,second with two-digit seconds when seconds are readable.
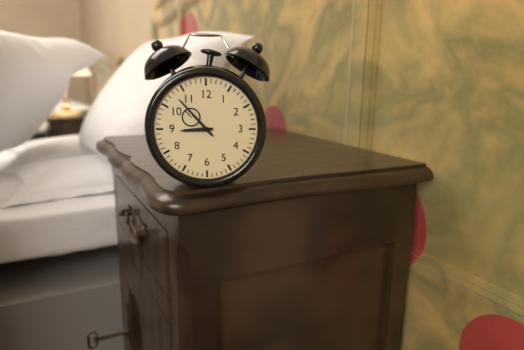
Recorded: 8,53
